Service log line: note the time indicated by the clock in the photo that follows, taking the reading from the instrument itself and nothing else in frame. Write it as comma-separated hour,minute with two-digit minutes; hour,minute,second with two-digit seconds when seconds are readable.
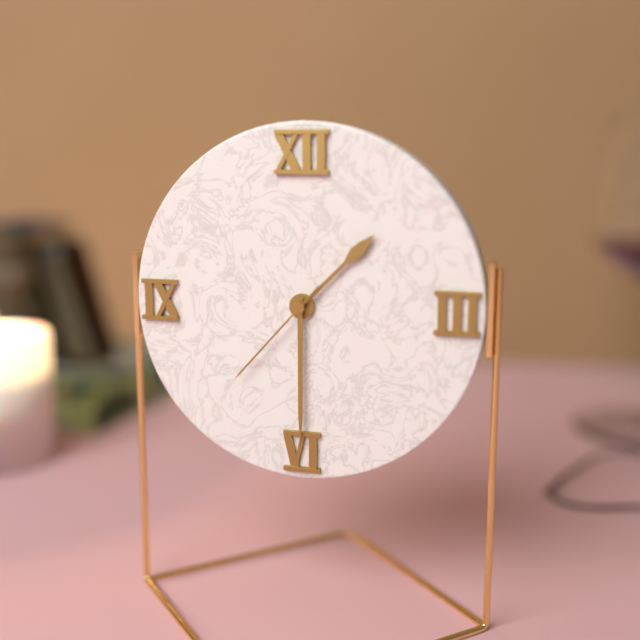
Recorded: 1,30,37
